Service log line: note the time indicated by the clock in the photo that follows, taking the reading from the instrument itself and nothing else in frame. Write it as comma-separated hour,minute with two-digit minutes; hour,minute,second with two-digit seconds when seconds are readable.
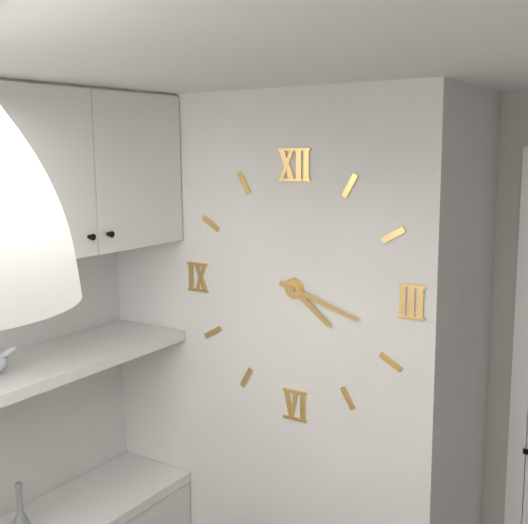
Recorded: 4,18
